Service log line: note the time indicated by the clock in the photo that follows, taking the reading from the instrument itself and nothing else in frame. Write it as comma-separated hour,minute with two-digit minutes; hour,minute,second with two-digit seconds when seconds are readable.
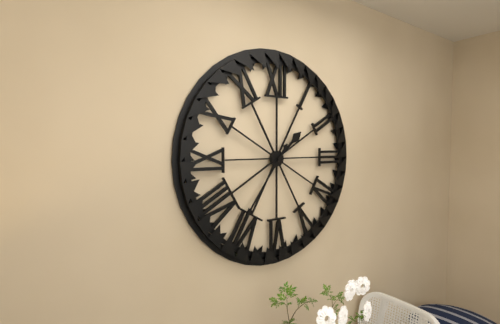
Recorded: 1,36
